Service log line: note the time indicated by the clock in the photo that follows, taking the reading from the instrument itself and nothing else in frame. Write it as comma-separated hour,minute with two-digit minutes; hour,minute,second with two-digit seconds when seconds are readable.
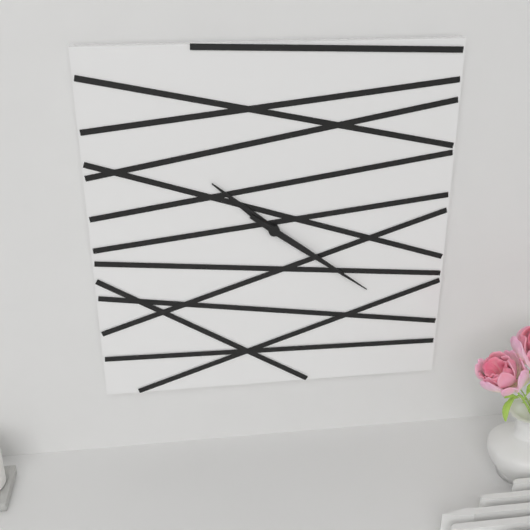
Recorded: 10,21
